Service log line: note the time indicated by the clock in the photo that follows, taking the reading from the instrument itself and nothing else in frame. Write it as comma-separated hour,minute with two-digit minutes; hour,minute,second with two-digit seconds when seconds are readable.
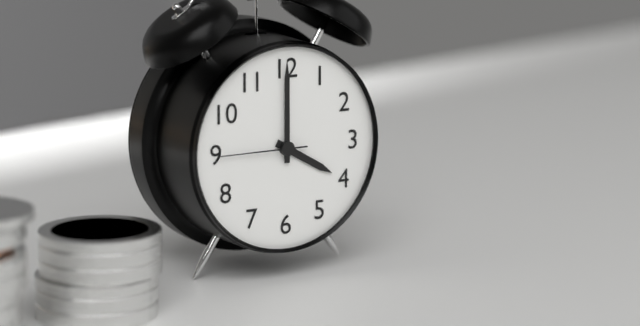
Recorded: 4,00,45
